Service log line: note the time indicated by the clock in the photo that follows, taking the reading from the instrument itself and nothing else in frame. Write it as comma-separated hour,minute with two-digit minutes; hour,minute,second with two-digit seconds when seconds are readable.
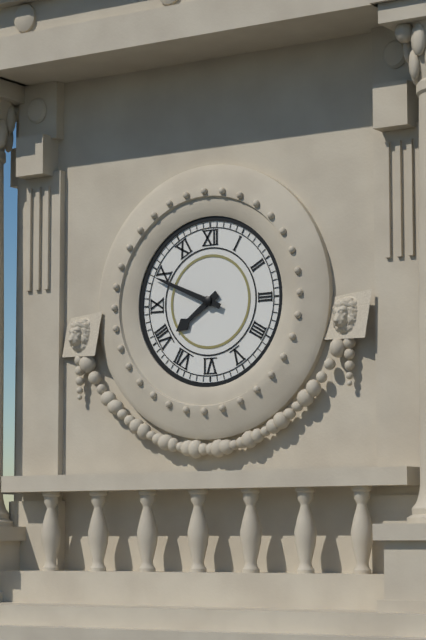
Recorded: 7,49
